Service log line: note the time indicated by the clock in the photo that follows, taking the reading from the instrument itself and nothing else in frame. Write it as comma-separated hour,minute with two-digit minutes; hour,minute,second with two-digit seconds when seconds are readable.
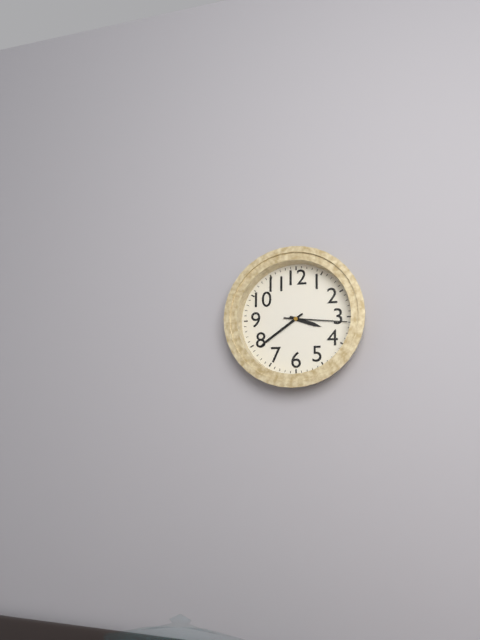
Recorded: 3,39,16
